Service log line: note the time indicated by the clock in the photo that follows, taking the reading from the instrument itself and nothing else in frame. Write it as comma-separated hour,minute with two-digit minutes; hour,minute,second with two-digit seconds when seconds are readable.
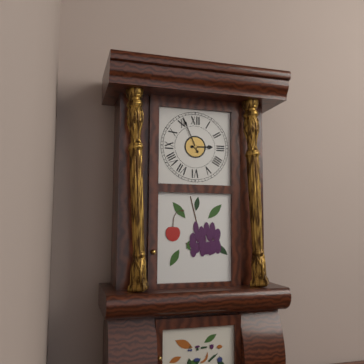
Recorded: 2,56
